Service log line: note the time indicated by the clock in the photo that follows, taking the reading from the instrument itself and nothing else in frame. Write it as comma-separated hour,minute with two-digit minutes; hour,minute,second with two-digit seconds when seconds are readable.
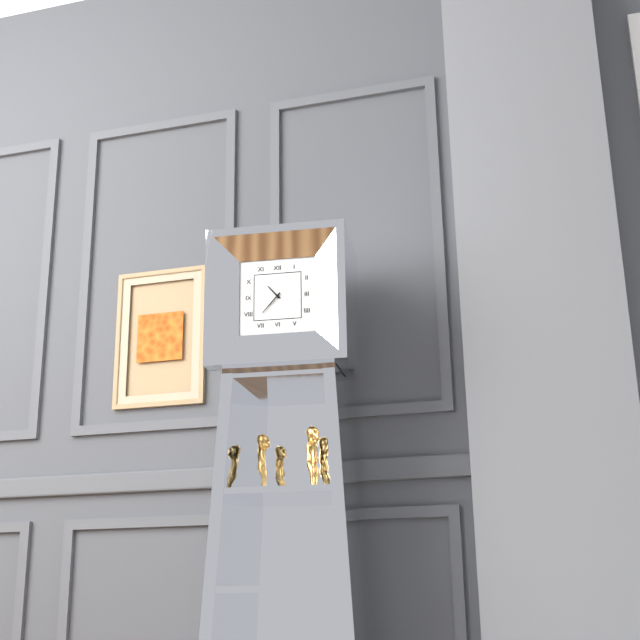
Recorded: 10,37
